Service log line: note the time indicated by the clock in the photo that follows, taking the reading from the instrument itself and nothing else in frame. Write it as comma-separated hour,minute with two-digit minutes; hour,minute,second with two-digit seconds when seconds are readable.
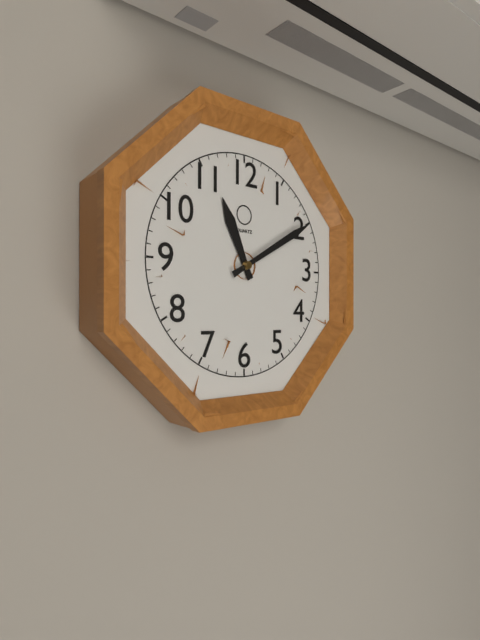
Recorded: 11,10
